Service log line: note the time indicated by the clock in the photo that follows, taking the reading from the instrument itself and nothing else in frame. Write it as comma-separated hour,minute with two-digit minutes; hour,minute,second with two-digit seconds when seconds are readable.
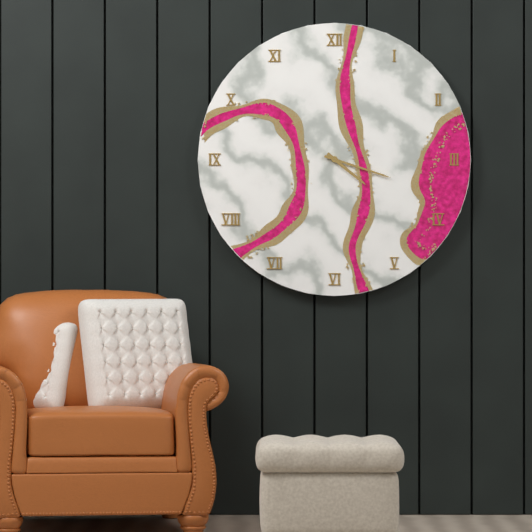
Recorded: 4,18
